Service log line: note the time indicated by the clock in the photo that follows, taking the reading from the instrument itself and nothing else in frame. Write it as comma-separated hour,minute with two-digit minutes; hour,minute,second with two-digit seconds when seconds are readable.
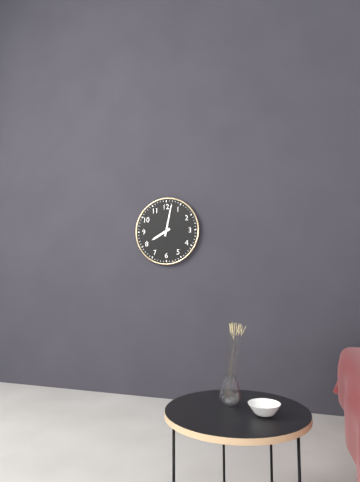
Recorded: 8,02
